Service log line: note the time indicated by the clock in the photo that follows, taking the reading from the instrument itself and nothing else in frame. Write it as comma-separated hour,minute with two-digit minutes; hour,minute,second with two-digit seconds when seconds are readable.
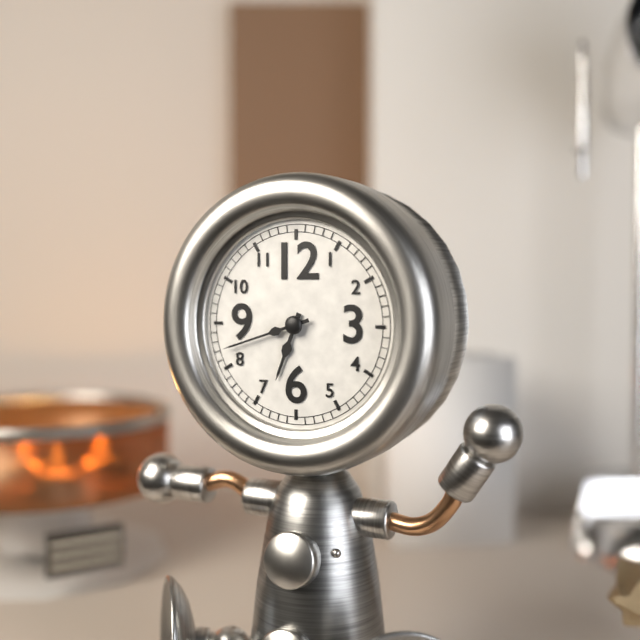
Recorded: 6,42
